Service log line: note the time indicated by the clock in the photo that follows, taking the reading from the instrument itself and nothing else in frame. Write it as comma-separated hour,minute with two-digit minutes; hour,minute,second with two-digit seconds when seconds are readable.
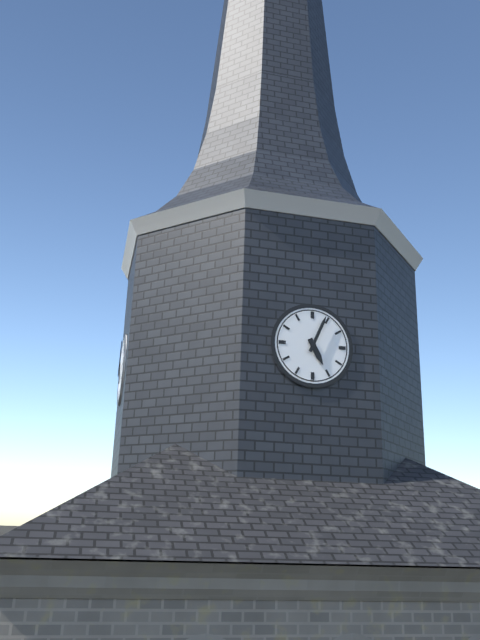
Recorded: 5,04
